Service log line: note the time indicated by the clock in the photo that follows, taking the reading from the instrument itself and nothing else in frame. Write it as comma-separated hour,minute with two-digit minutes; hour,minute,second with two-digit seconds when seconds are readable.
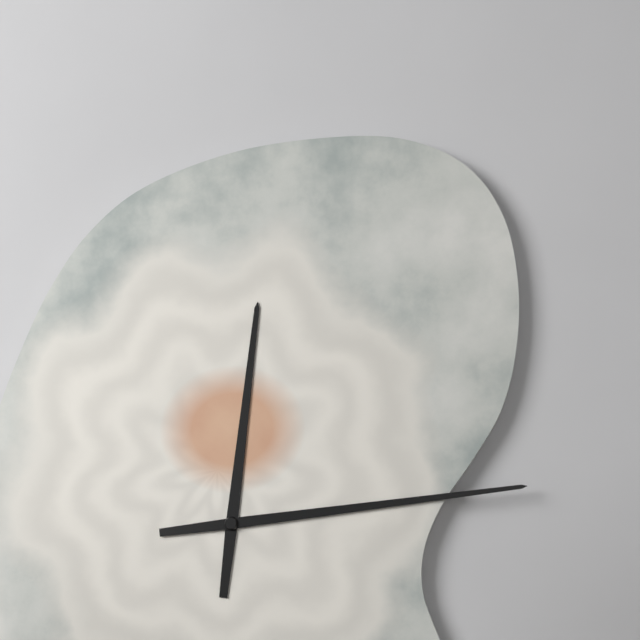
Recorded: 12,14
